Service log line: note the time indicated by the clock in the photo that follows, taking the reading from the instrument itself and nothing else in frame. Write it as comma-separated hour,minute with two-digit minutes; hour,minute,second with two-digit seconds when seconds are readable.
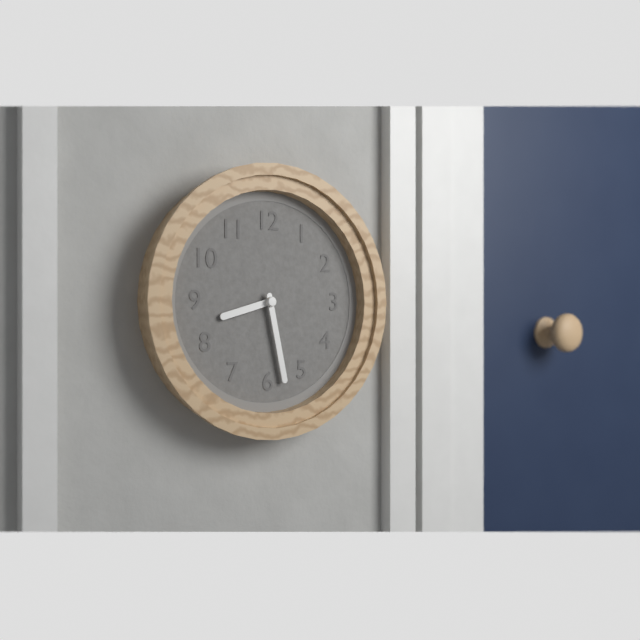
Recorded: 8,28
